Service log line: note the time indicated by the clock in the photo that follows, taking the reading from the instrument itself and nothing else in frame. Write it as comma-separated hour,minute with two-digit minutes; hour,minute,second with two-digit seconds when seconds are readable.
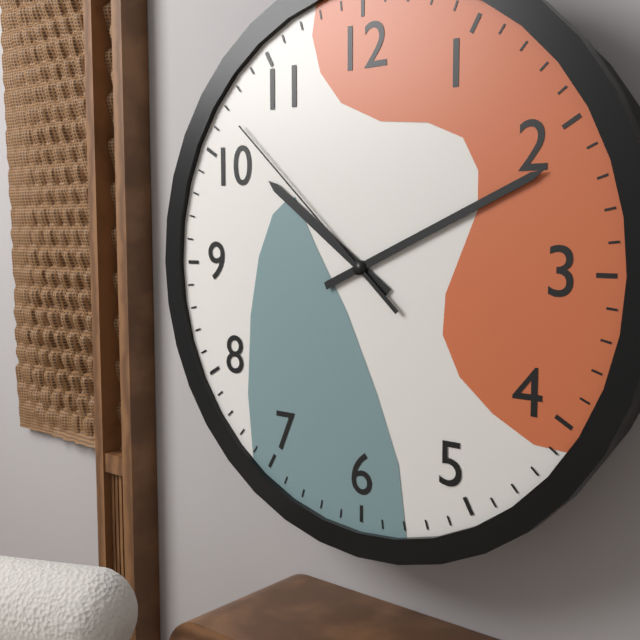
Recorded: 10,11,52
